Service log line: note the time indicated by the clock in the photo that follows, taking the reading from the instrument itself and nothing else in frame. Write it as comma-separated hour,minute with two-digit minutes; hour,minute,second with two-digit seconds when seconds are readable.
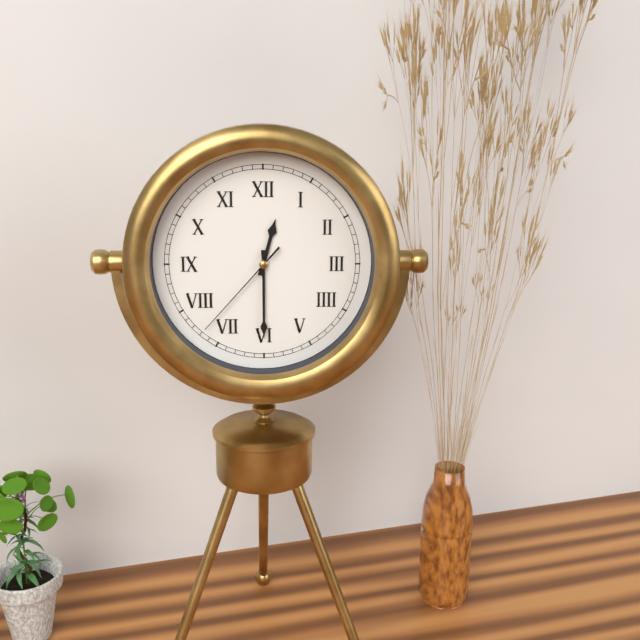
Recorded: 12,30,37
